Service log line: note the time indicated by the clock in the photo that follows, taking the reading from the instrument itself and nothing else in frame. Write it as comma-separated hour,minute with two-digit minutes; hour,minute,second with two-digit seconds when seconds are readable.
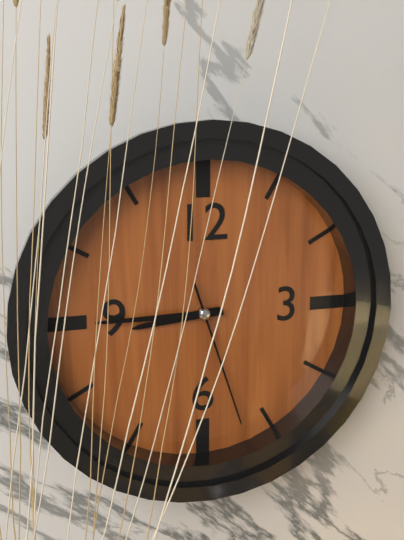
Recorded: 8,45,27
